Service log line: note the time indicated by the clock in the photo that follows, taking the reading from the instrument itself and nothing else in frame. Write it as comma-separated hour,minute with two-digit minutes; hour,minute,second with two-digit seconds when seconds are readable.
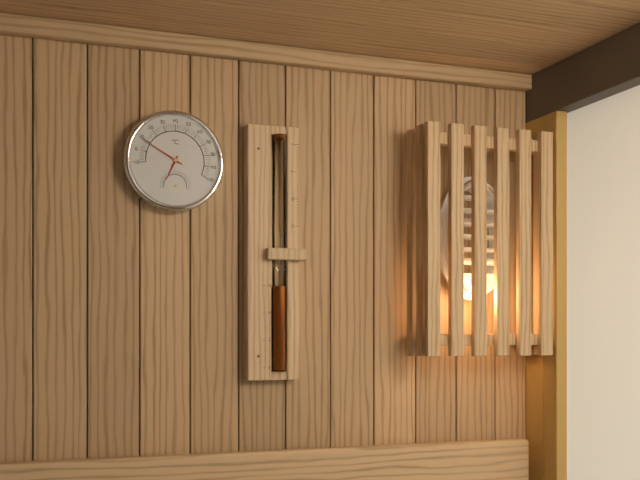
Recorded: 6,50
